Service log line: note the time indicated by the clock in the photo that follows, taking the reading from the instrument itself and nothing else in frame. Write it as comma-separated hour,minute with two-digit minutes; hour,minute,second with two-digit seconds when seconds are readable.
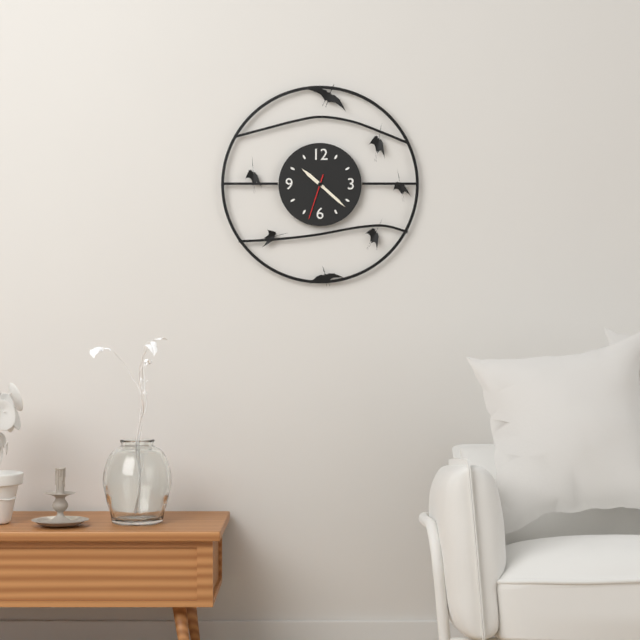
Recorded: 10,22
